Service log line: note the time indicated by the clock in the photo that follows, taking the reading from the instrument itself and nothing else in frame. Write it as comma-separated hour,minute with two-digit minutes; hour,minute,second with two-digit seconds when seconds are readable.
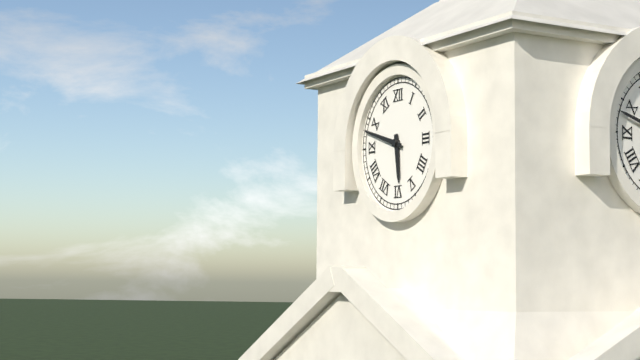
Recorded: 5,48
